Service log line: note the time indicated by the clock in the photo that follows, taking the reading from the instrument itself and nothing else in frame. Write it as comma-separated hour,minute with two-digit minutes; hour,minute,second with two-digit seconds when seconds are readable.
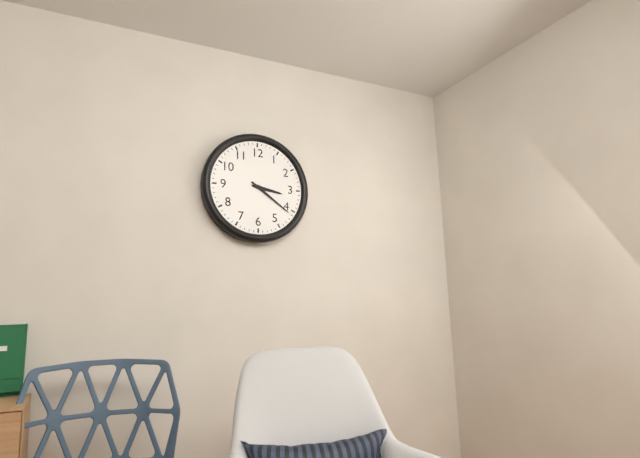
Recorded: 3,21
